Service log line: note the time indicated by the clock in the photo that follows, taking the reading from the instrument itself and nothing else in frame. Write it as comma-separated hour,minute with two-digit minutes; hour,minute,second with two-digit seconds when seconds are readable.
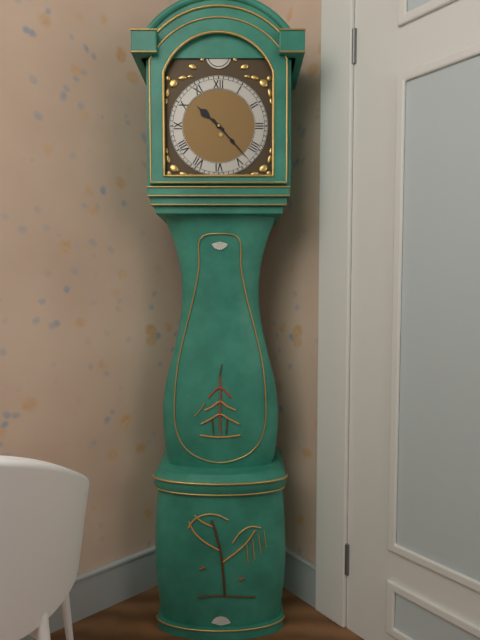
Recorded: 10,23
